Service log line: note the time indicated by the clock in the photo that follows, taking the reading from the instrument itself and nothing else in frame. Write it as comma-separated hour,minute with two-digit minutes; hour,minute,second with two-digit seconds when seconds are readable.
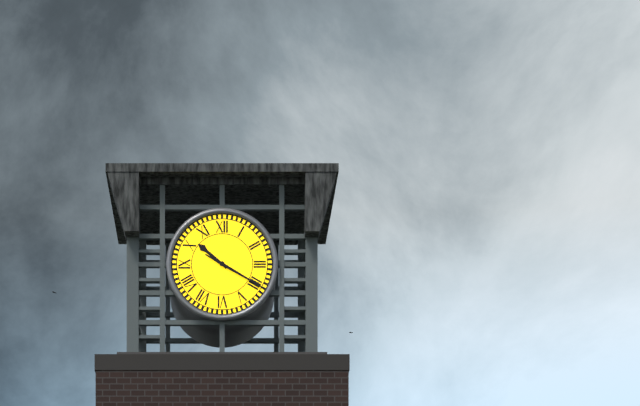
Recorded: 10,20
